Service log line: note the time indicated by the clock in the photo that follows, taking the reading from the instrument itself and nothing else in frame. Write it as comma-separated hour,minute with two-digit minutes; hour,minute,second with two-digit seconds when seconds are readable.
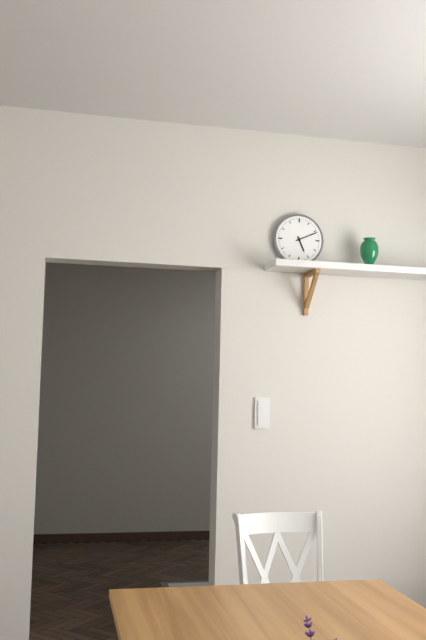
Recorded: 5,11
